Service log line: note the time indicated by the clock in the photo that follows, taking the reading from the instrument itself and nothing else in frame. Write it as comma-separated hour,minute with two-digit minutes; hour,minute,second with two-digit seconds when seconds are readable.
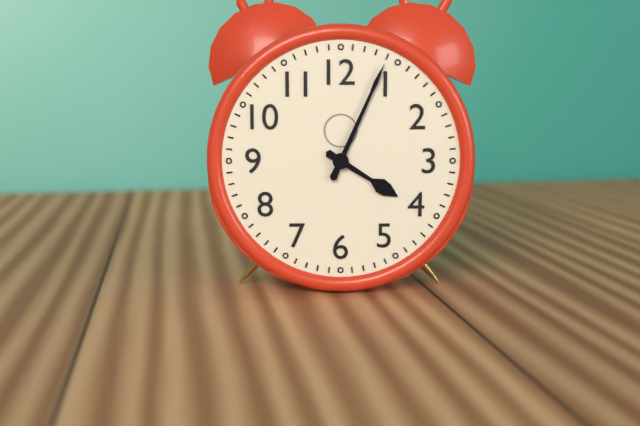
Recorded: 4,04
